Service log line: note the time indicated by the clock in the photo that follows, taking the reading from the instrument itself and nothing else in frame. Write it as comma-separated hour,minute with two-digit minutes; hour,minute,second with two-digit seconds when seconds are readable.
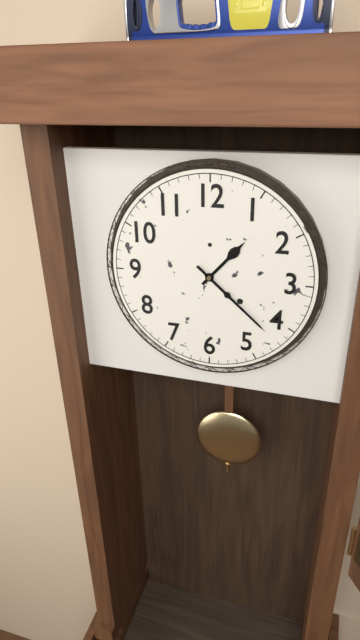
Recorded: 1,22
